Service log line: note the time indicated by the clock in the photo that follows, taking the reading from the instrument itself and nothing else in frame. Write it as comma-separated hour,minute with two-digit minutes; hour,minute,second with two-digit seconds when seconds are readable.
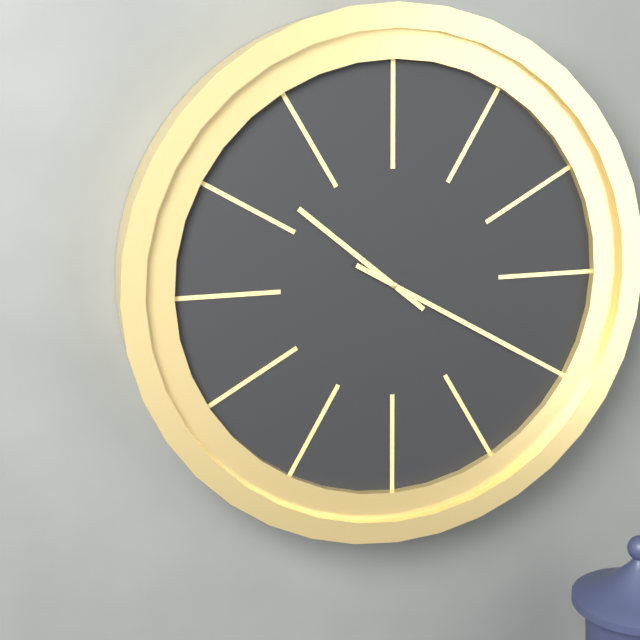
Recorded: 10,20
